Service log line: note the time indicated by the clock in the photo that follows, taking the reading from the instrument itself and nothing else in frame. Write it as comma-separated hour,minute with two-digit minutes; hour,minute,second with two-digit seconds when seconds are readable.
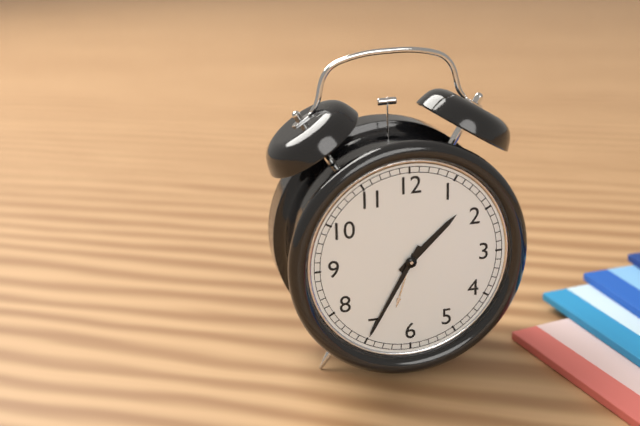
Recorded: 1,35
